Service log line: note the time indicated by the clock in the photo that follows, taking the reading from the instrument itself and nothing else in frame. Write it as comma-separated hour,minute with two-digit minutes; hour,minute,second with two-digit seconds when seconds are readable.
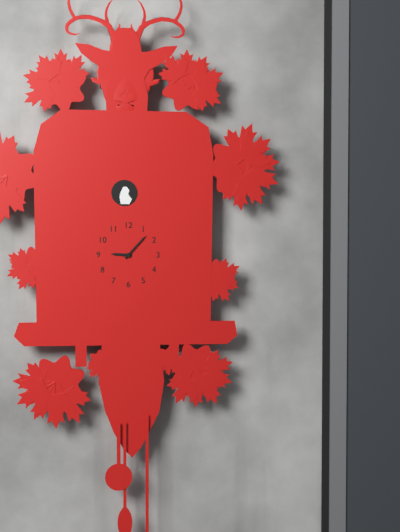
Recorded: 9,07
